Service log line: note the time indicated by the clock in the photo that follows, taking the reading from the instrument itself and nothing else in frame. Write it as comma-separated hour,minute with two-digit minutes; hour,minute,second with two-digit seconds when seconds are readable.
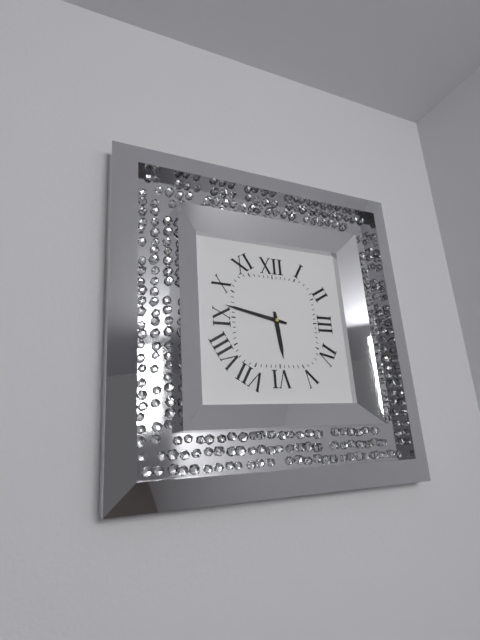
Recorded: 5,47
